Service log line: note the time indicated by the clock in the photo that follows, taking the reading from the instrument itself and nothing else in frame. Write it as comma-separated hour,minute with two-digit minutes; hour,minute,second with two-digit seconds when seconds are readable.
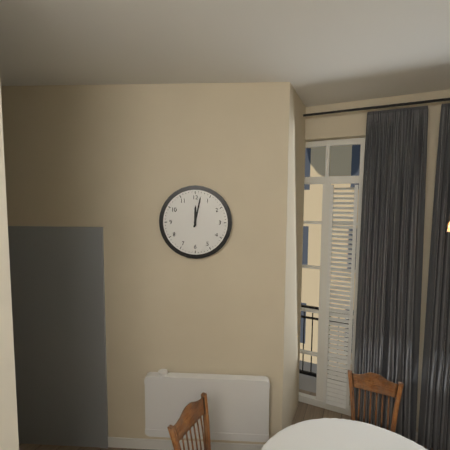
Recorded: 12,02
